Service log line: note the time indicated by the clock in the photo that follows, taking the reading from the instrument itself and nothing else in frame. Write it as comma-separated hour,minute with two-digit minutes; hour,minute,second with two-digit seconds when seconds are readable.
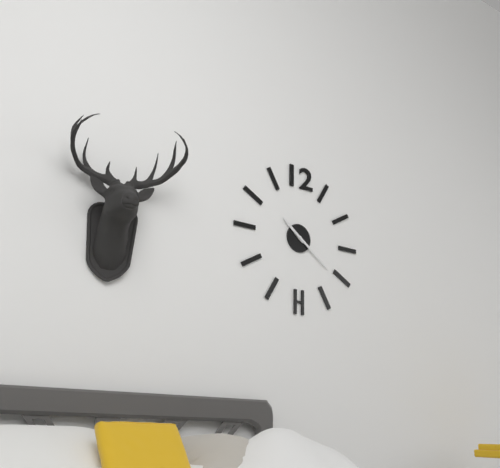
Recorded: 10,21
